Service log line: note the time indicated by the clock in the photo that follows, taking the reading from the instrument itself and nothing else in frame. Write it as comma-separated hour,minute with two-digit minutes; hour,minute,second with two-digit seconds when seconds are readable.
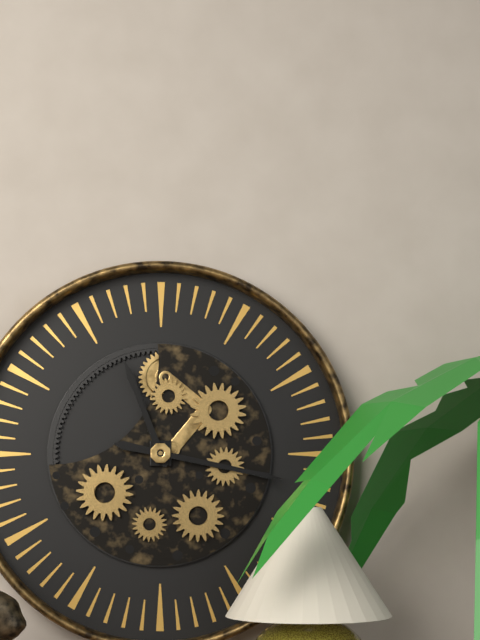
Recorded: 11,17
